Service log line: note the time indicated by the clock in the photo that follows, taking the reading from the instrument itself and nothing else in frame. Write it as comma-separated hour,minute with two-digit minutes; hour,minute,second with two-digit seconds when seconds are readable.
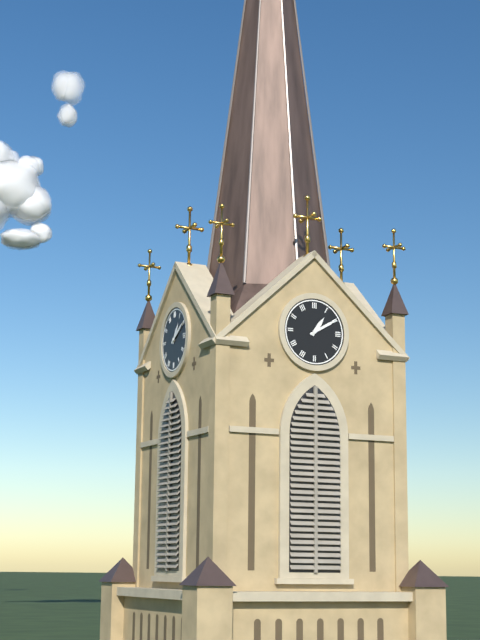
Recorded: 1,10
